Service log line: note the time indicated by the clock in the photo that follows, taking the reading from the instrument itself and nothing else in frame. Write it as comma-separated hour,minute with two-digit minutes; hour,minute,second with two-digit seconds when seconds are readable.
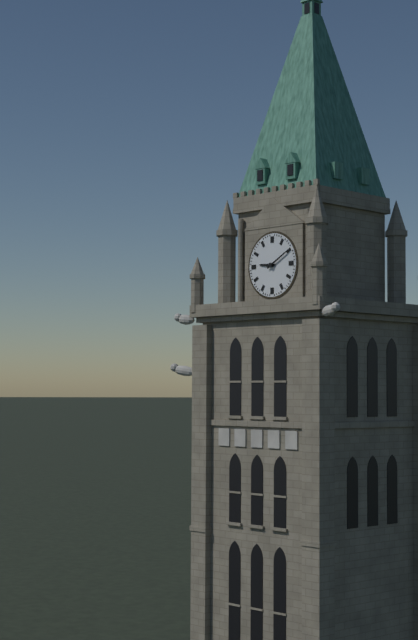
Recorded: 9,10
